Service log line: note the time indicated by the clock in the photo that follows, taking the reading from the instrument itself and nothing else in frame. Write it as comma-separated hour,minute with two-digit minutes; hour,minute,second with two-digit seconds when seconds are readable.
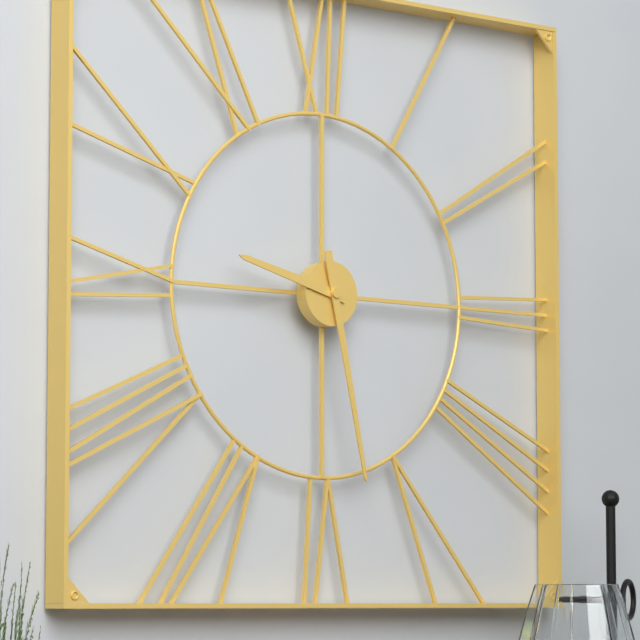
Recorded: 9,28
